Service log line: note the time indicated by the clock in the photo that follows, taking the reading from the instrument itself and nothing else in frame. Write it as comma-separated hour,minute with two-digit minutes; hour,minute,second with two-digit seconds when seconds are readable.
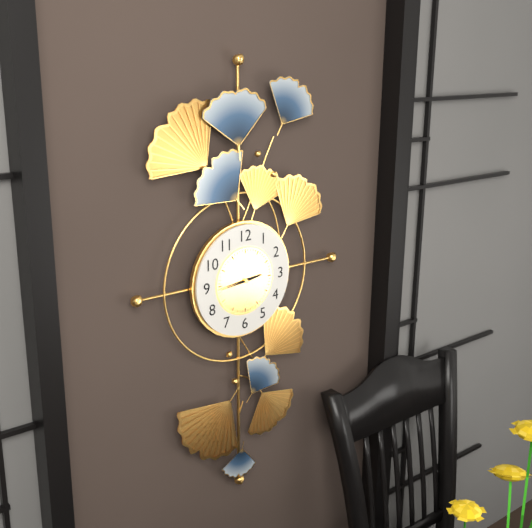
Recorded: 2,44
